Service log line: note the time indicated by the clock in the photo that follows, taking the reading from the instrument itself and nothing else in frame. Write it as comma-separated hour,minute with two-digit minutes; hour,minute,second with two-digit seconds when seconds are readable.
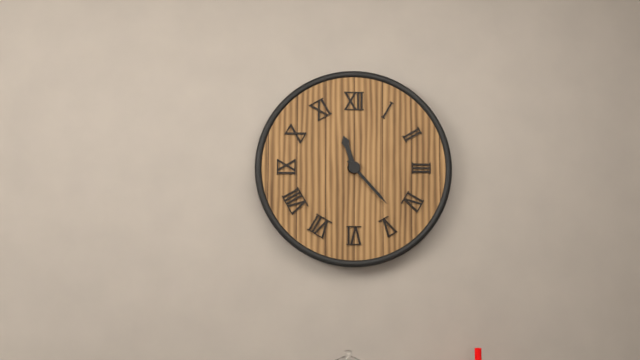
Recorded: 11,23
